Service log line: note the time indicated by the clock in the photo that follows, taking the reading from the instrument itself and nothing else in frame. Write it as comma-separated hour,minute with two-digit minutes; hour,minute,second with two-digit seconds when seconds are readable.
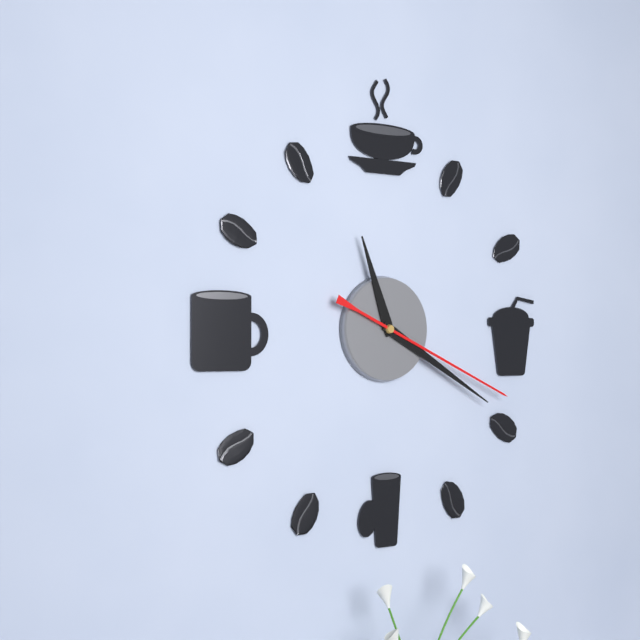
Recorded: 11,20,19
